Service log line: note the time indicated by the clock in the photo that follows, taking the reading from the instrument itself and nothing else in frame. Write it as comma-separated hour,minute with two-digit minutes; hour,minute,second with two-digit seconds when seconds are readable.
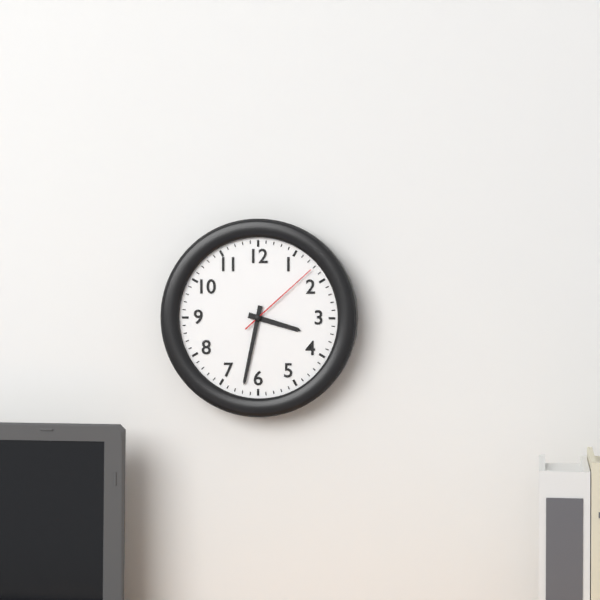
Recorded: 3,32,08
